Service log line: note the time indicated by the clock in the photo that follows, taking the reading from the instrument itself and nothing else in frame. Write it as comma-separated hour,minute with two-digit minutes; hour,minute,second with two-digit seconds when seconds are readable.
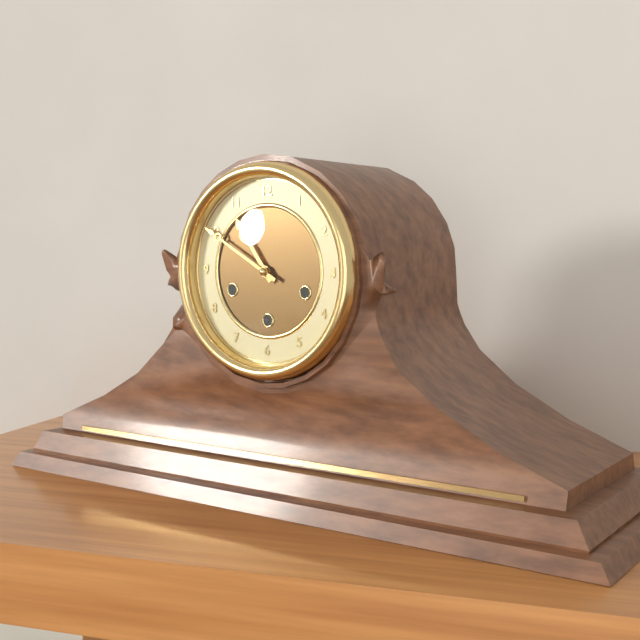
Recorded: 10,50
